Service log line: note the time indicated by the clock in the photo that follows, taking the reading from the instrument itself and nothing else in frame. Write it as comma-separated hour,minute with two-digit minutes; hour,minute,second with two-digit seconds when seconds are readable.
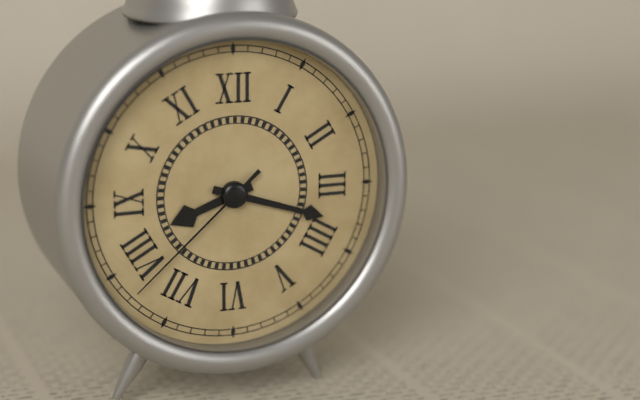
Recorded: 8,18,38
